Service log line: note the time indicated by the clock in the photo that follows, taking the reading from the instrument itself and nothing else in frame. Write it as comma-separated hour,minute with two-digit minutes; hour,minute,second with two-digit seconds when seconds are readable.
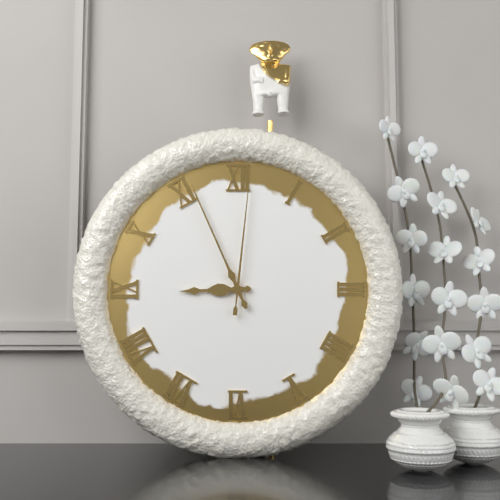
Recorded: 8,56,01
